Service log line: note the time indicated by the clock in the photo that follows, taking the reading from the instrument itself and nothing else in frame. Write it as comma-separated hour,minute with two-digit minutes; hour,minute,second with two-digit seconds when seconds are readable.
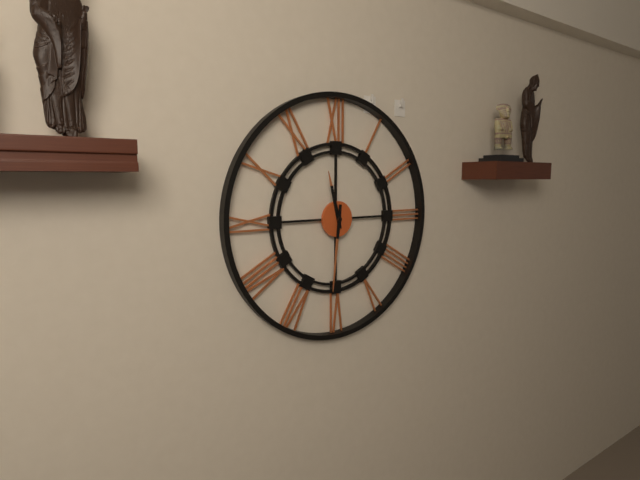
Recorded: 11,31
